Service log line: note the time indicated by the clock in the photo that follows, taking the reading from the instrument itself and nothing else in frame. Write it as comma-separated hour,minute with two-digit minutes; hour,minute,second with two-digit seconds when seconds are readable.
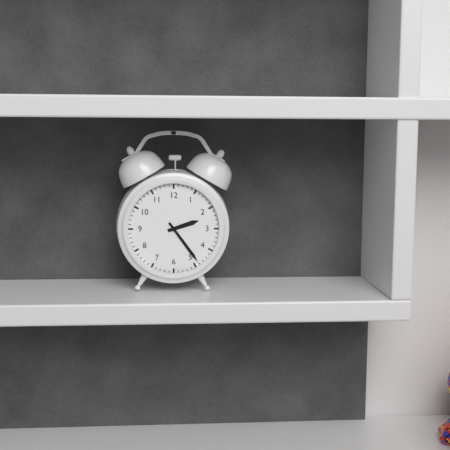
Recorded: 2,24
